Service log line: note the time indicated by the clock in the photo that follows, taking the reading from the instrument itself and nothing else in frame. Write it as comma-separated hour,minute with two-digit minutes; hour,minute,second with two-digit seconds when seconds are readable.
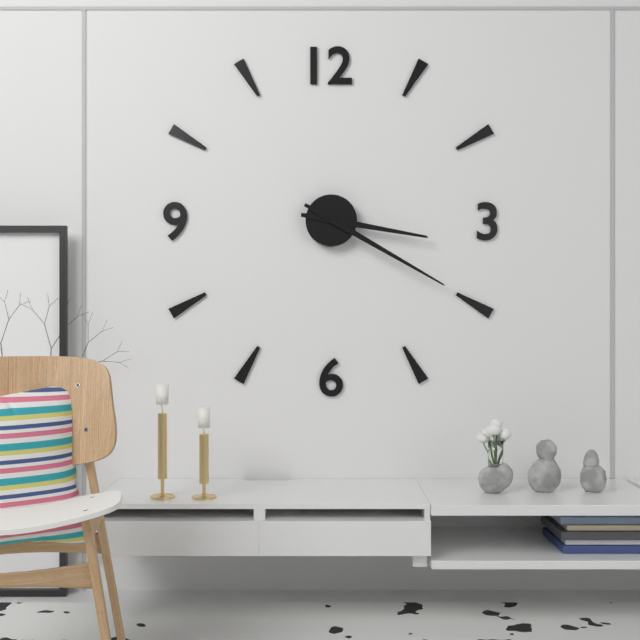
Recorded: 3,20
